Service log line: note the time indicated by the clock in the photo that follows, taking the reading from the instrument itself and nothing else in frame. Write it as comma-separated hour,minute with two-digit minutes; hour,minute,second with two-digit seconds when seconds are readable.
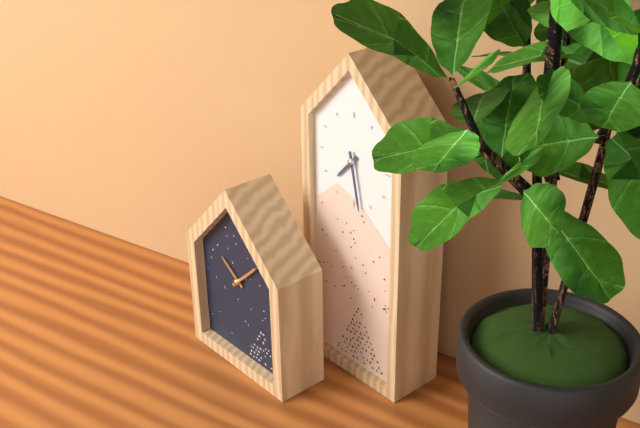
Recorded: 7,28
